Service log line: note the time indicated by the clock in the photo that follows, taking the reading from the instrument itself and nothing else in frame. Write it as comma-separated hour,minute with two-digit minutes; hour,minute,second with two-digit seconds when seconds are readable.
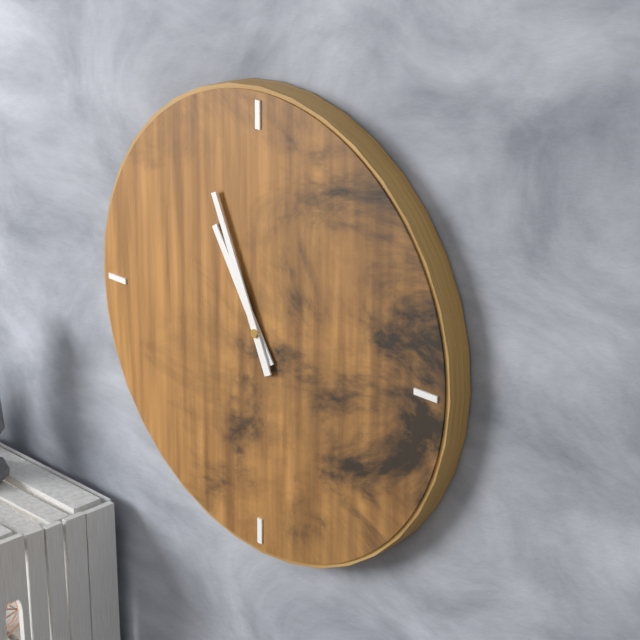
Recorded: 10,56
